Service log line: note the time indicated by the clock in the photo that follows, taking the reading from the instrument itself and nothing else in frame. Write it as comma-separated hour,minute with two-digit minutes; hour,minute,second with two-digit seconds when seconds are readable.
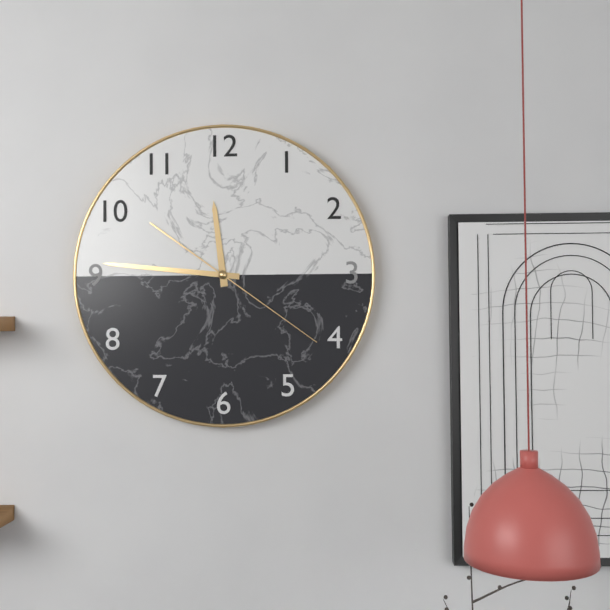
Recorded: 11,46,21
